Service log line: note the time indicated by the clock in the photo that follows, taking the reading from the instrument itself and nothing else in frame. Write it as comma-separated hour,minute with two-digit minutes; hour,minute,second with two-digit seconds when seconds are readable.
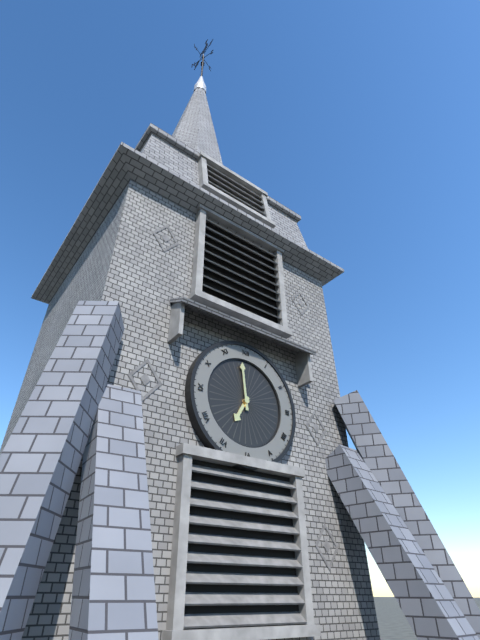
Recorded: 6,59
